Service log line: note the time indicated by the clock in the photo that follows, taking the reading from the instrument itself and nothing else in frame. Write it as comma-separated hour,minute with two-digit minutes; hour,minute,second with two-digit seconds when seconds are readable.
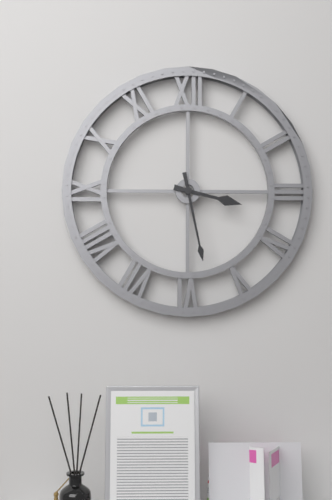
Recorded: 3,28
